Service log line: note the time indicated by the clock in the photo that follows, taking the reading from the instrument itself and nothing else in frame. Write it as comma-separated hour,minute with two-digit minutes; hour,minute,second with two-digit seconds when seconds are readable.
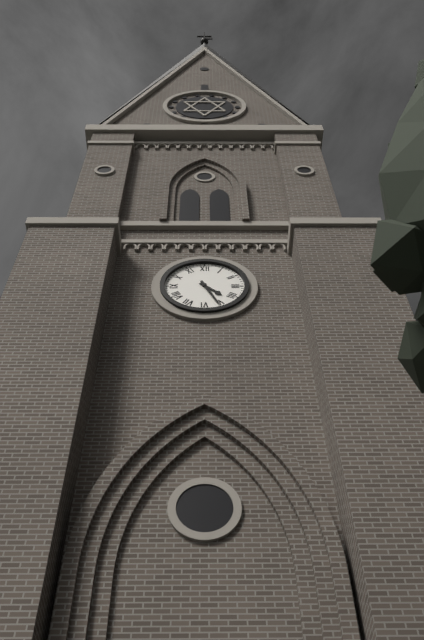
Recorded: 4,26
